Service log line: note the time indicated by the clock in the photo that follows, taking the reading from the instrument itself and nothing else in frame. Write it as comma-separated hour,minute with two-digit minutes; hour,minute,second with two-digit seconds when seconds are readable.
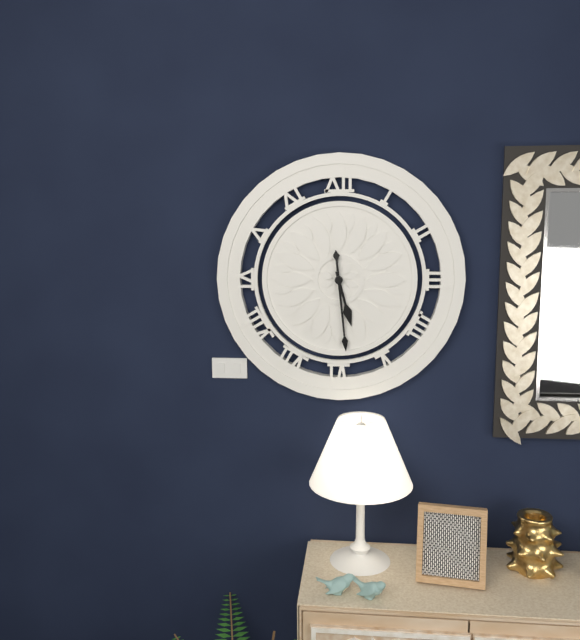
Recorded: 5,29
